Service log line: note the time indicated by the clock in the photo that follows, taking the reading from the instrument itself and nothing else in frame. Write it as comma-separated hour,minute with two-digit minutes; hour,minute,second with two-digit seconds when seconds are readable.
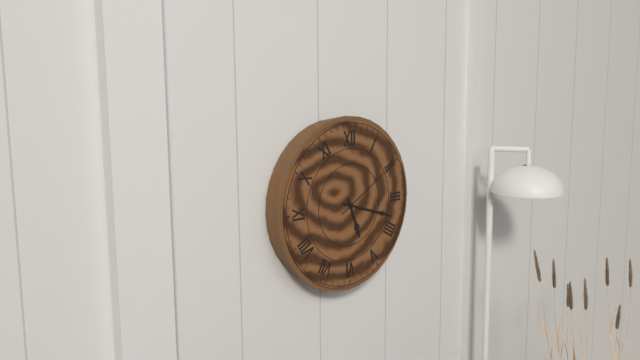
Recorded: 5,18,10
